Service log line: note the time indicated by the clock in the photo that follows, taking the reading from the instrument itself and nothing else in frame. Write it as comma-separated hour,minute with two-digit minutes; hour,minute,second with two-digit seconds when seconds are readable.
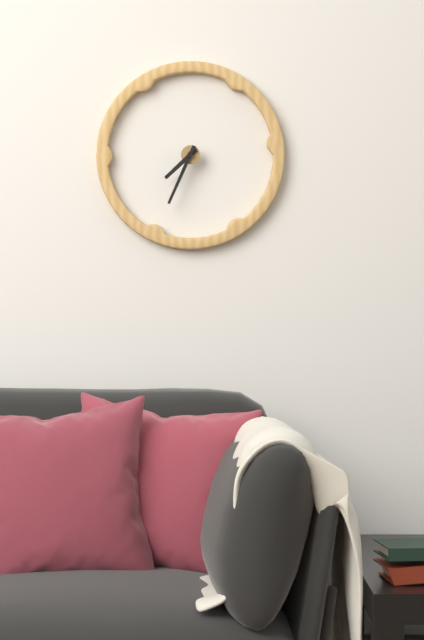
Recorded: 7,34
